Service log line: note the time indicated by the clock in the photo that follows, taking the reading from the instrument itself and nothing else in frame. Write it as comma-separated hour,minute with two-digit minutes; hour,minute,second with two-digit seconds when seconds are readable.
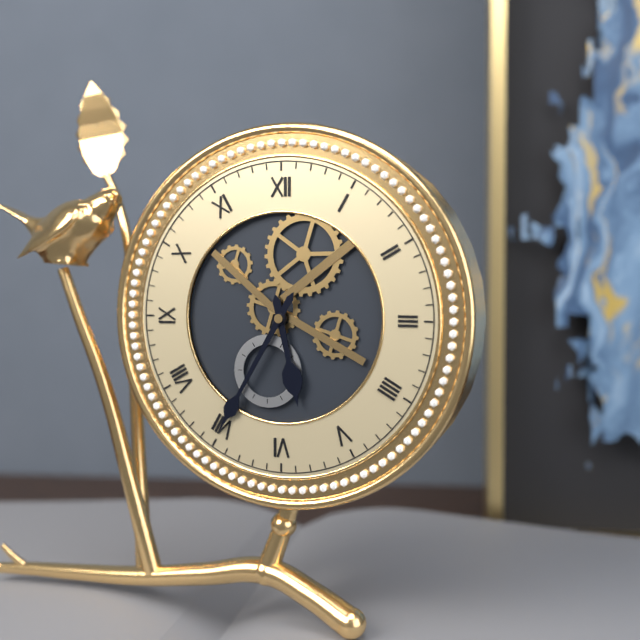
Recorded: 5,35
